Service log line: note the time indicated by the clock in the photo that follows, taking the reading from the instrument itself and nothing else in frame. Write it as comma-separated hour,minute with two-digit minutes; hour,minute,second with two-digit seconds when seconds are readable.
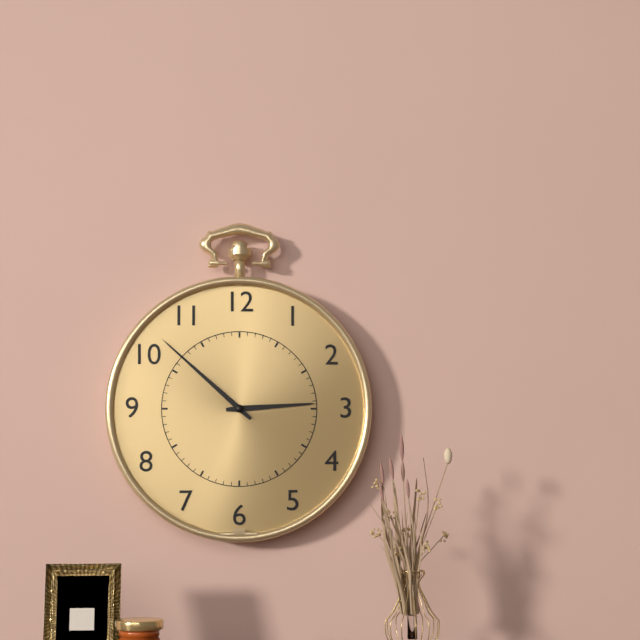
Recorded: 2,52
